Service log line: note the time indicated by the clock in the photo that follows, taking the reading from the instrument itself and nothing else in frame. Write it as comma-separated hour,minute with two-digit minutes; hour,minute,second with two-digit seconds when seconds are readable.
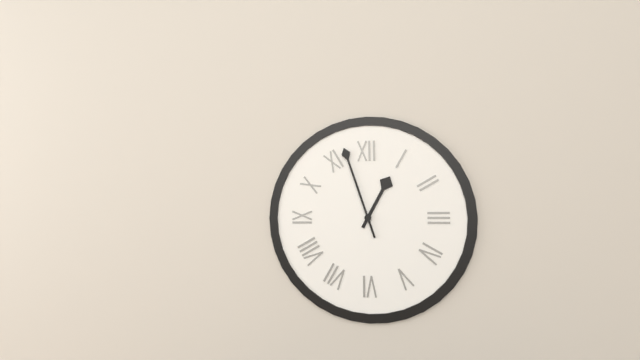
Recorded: 12,57
